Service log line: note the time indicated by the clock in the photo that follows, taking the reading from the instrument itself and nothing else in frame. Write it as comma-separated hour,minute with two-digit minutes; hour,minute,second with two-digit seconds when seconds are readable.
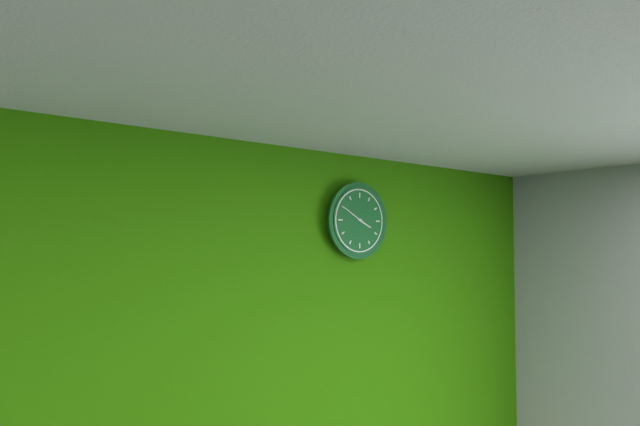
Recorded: 3,50
